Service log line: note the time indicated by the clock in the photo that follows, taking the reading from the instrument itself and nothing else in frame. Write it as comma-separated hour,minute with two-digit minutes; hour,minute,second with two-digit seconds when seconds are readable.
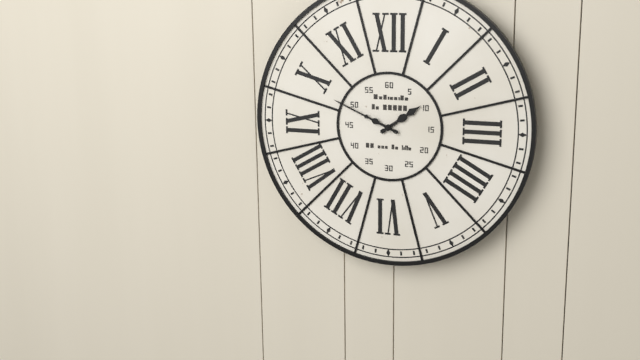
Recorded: 1,49
